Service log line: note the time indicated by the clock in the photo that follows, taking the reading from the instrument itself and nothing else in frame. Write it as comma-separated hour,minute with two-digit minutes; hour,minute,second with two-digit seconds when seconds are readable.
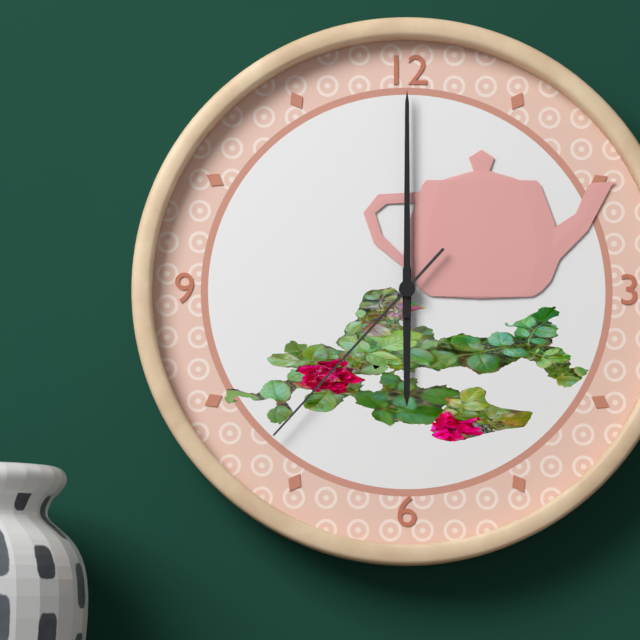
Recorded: 6,00,37
